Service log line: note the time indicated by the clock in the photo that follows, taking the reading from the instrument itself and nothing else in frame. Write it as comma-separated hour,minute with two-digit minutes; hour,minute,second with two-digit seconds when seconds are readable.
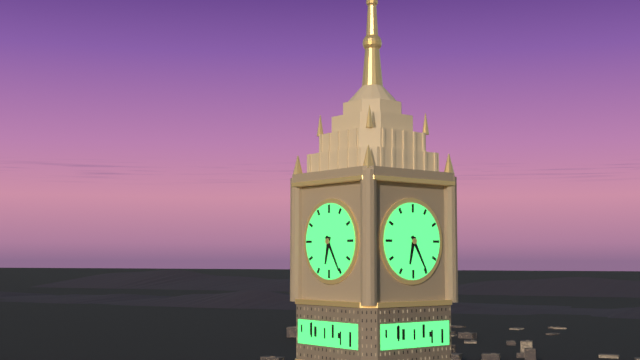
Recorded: 6,25
